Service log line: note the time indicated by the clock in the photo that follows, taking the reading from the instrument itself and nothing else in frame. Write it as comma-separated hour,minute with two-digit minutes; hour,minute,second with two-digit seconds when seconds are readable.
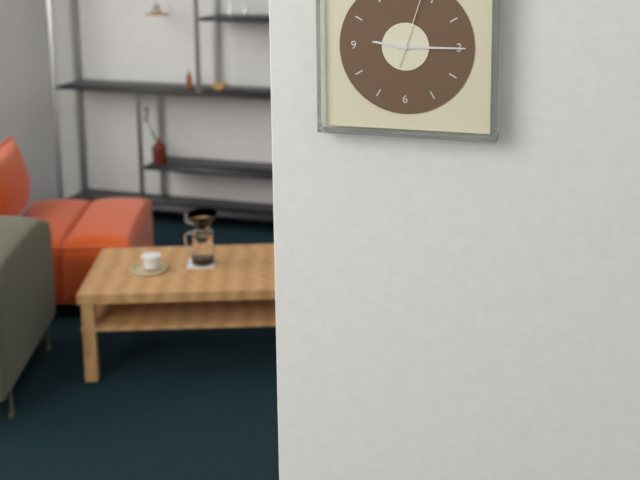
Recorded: 9,15
